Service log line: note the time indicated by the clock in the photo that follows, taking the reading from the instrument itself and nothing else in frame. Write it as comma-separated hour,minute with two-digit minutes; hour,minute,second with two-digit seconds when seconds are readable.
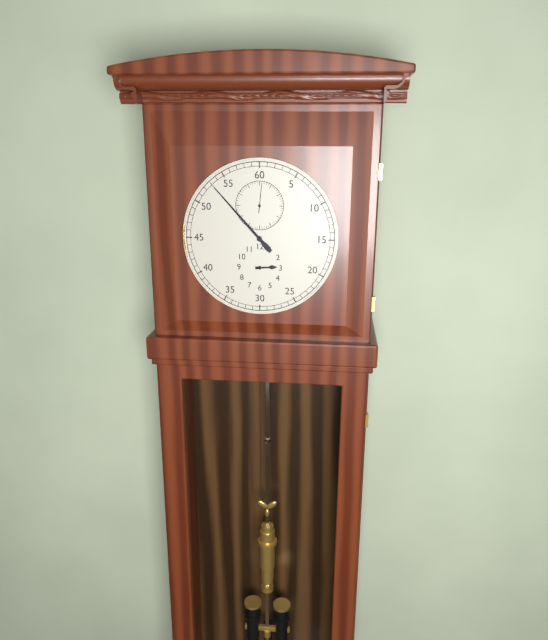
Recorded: 2,53
